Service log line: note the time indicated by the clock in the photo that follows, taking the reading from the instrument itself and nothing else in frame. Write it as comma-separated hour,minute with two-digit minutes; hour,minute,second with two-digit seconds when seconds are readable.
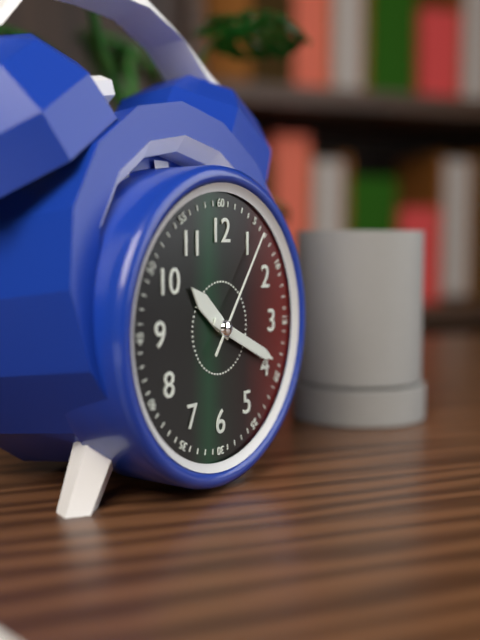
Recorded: 10,19,06
